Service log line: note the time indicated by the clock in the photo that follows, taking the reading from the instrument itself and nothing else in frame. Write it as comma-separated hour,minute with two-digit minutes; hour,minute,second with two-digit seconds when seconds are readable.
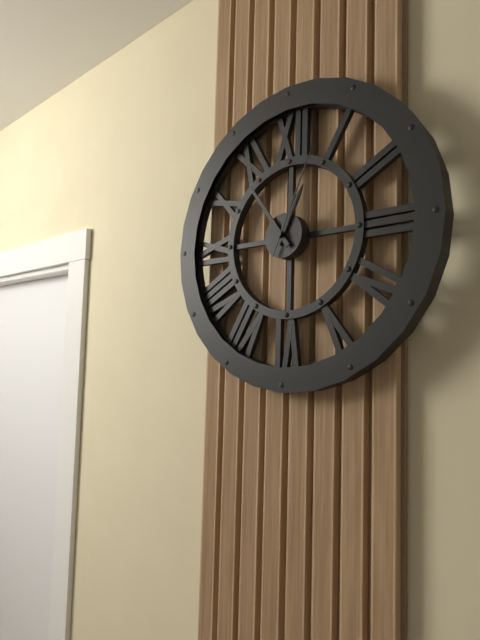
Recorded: 12,54,04
